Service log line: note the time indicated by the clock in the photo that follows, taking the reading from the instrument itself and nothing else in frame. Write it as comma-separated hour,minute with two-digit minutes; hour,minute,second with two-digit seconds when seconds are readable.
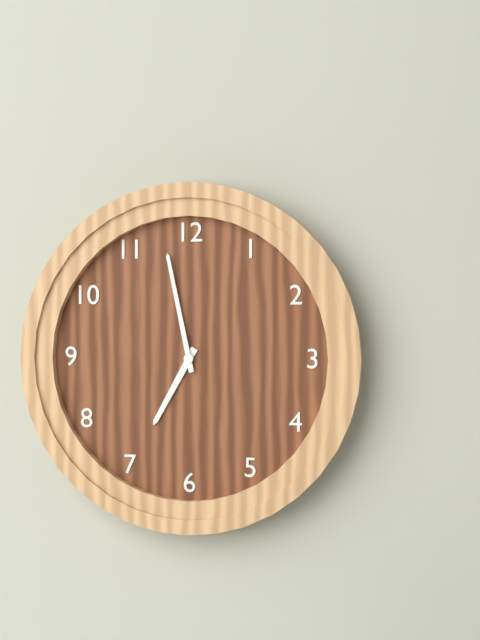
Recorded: 6,58
